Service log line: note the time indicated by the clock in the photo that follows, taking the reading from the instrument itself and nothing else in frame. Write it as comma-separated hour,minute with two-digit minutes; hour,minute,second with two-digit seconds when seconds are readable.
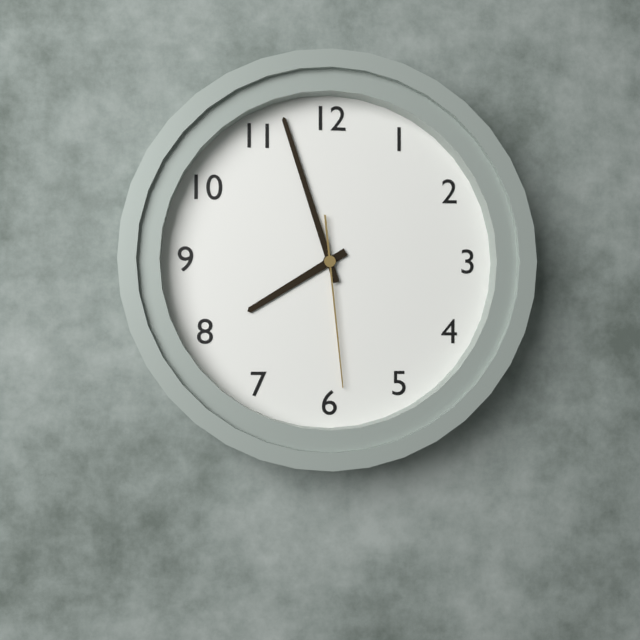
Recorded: 7,57,29
